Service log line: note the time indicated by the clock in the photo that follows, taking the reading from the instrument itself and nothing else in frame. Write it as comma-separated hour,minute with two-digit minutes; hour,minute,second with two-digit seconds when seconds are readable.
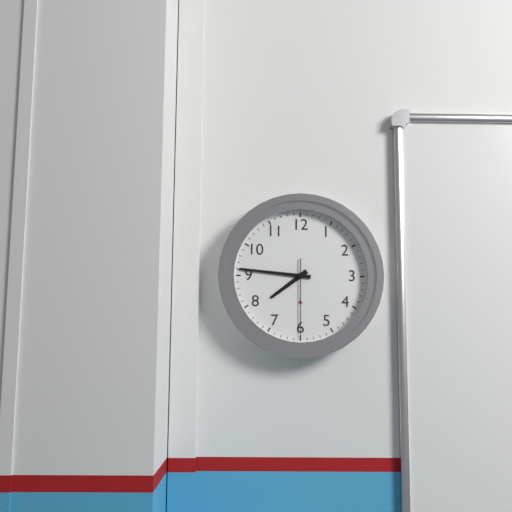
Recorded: 7,46,30
